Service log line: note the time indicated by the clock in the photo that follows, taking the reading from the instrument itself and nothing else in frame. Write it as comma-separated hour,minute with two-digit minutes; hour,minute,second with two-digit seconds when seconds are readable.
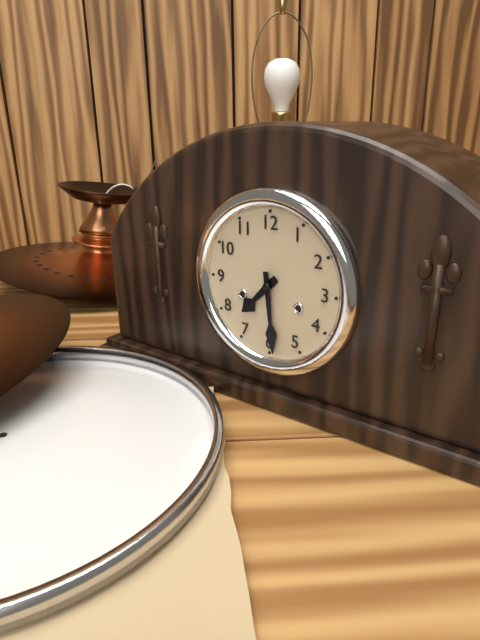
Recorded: 7,29
